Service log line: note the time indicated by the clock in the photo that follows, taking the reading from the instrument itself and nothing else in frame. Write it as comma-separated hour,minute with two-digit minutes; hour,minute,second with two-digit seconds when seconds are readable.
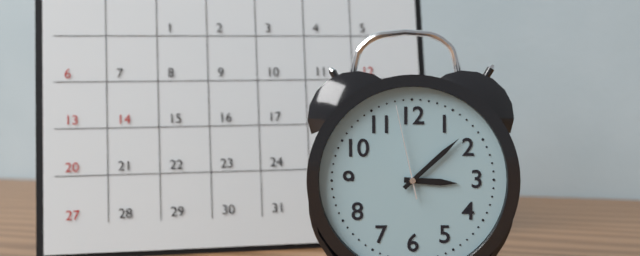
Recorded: 3,08,58
